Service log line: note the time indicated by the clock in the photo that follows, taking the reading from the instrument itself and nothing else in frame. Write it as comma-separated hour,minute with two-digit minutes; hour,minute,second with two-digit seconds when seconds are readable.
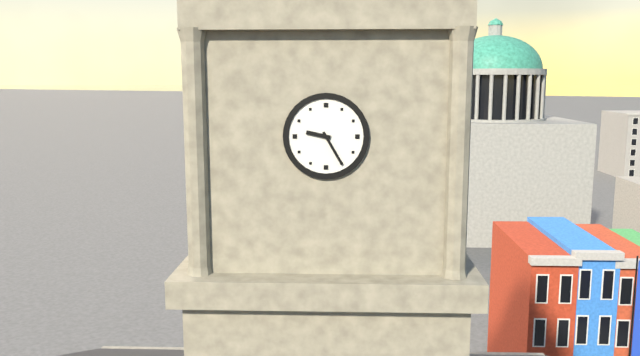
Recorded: 9,25
